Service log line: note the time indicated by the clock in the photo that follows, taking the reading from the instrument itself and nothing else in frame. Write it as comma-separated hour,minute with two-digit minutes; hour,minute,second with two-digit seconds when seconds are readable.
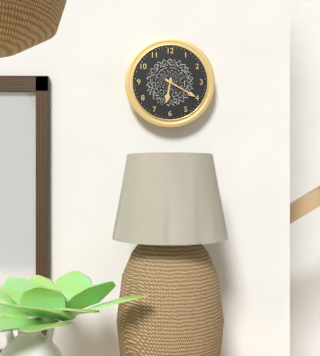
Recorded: 6,20
